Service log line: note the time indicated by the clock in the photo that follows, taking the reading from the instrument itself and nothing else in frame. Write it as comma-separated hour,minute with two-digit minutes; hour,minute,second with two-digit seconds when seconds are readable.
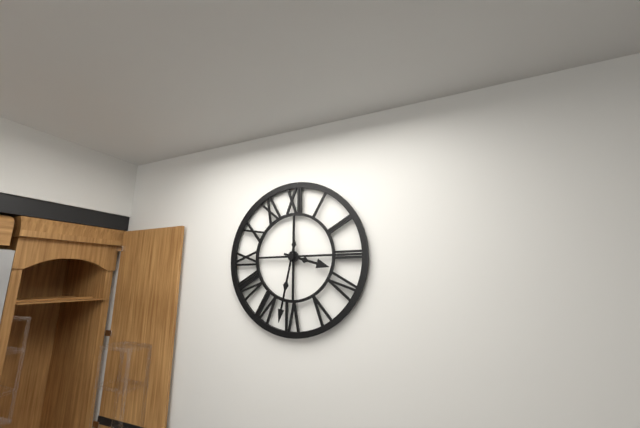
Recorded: 3,32
